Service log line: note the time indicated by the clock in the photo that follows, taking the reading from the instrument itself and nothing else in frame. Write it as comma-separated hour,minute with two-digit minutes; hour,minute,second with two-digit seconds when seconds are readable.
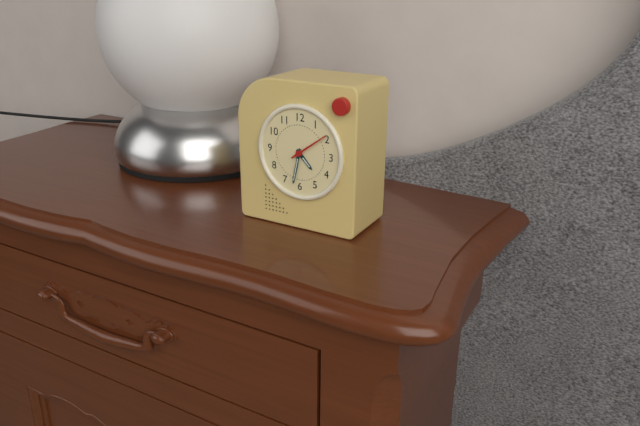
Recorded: 4,32
